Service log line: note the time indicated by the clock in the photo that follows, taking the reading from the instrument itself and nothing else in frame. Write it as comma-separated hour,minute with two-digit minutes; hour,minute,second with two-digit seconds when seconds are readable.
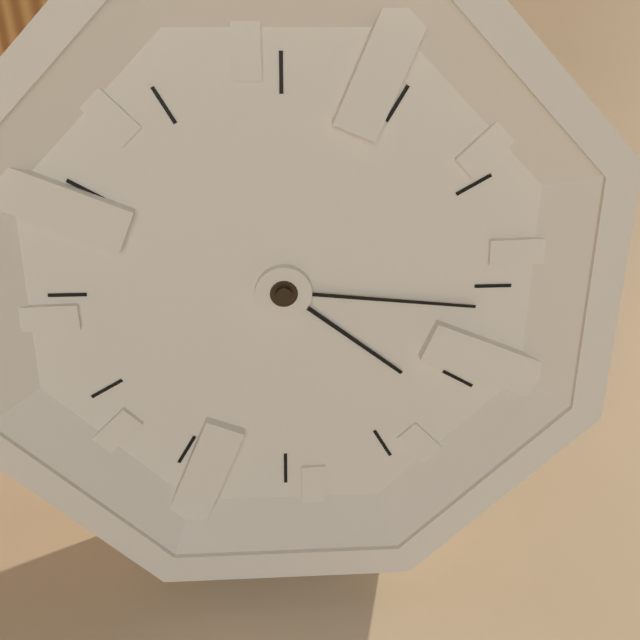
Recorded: 4,16
